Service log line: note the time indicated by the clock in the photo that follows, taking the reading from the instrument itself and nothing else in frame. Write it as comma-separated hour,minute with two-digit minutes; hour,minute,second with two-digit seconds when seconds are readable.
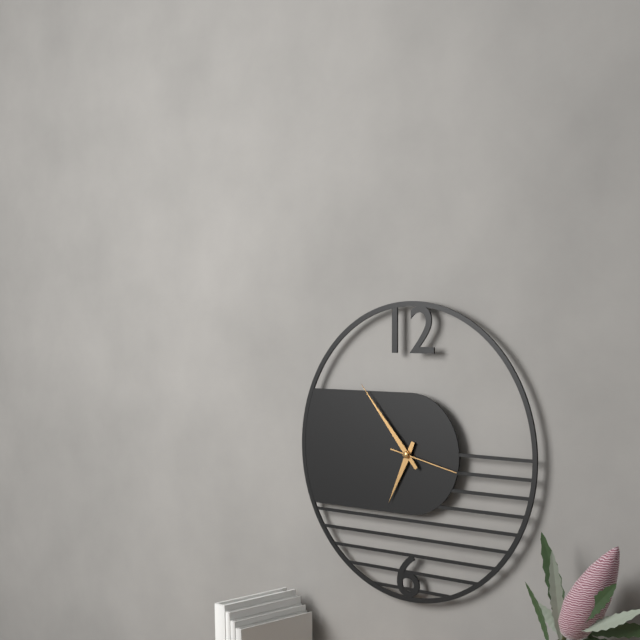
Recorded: 6,53,17
